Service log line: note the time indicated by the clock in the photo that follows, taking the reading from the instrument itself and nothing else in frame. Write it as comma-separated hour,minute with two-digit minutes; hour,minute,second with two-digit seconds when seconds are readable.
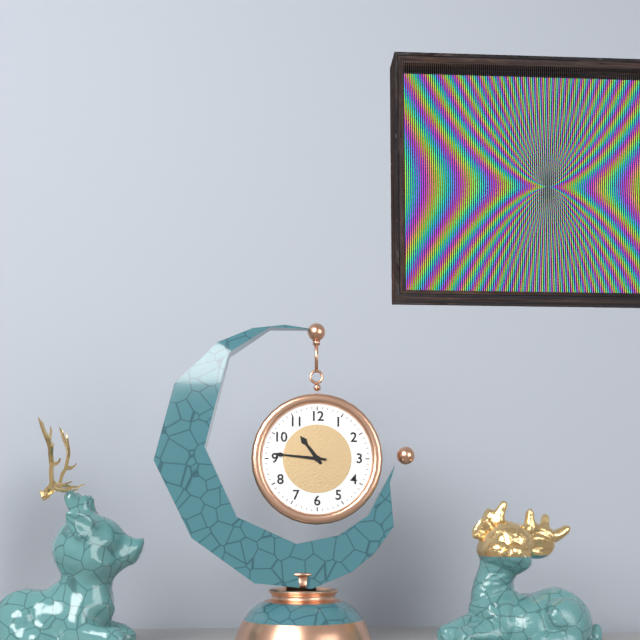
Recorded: 10,46
